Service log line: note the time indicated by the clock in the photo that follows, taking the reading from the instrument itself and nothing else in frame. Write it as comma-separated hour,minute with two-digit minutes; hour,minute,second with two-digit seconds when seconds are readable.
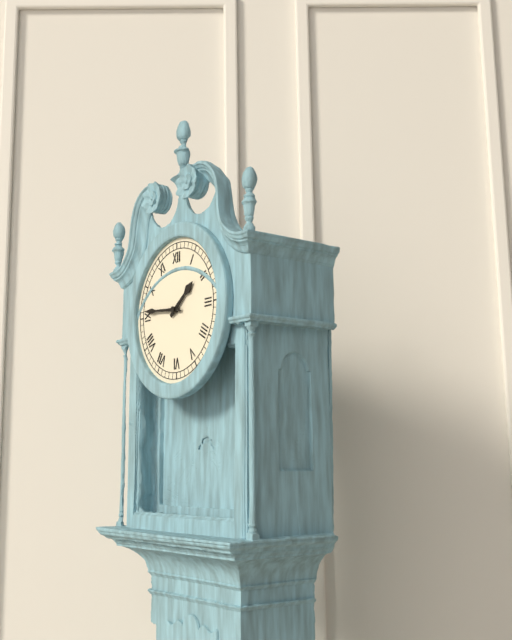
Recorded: 1,46
